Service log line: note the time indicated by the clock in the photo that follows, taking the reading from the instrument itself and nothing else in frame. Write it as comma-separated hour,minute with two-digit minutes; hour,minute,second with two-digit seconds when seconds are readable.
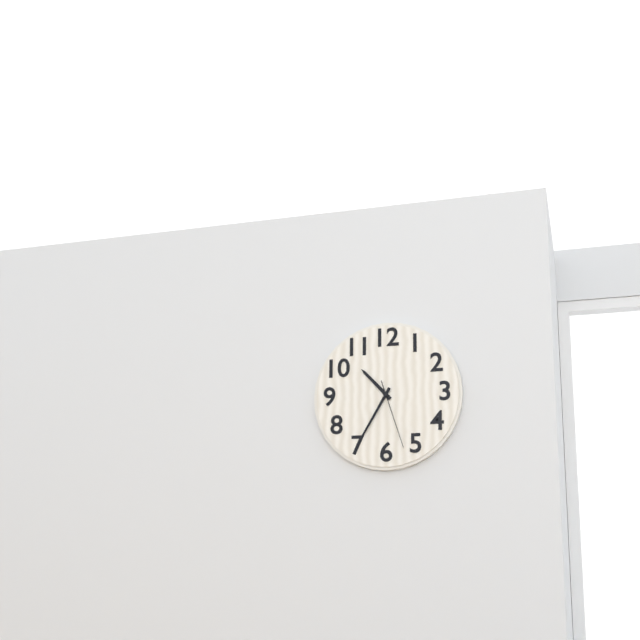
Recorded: 10,35,27
